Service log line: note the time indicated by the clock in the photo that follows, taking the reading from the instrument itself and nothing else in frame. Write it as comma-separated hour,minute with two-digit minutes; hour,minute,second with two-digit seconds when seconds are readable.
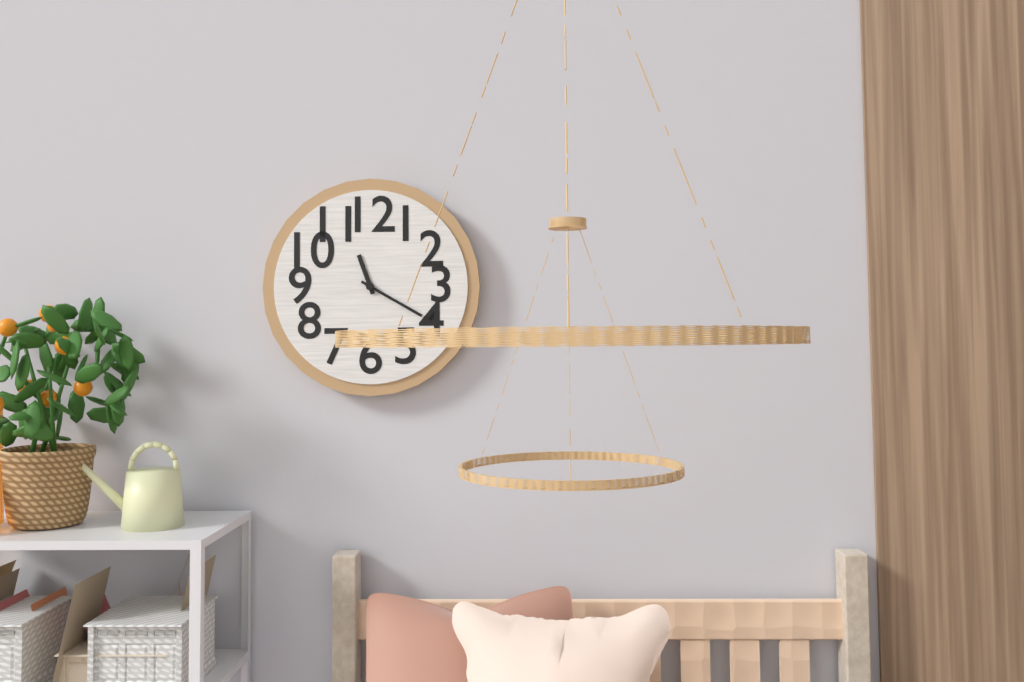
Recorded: 11,20
